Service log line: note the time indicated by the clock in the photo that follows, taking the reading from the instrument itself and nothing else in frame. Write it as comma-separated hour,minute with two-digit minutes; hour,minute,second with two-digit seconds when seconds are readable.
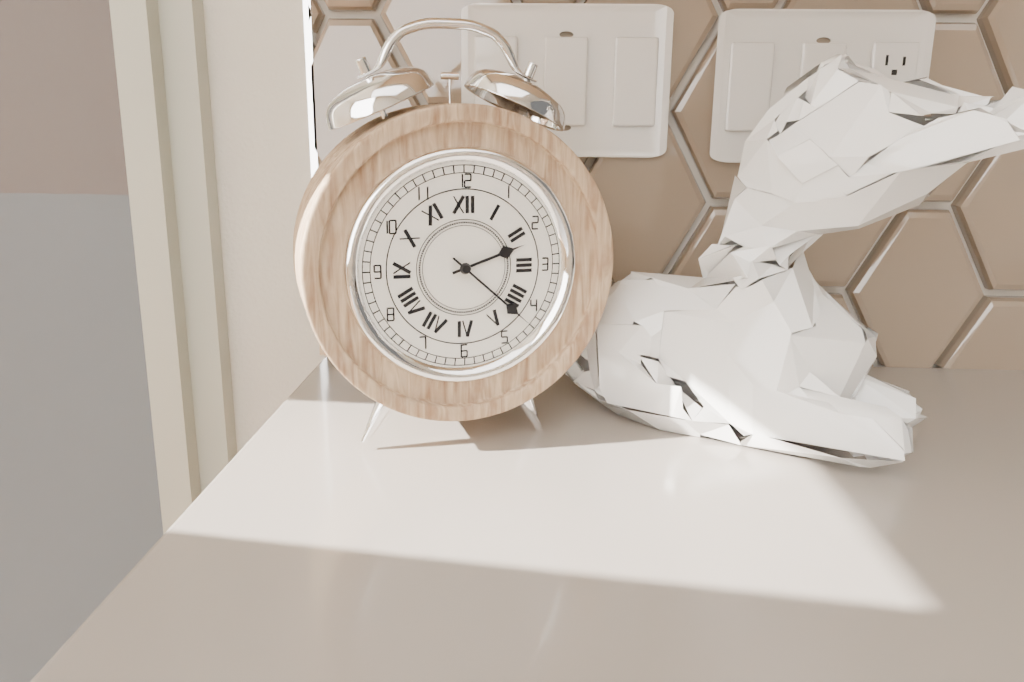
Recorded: 2,22
